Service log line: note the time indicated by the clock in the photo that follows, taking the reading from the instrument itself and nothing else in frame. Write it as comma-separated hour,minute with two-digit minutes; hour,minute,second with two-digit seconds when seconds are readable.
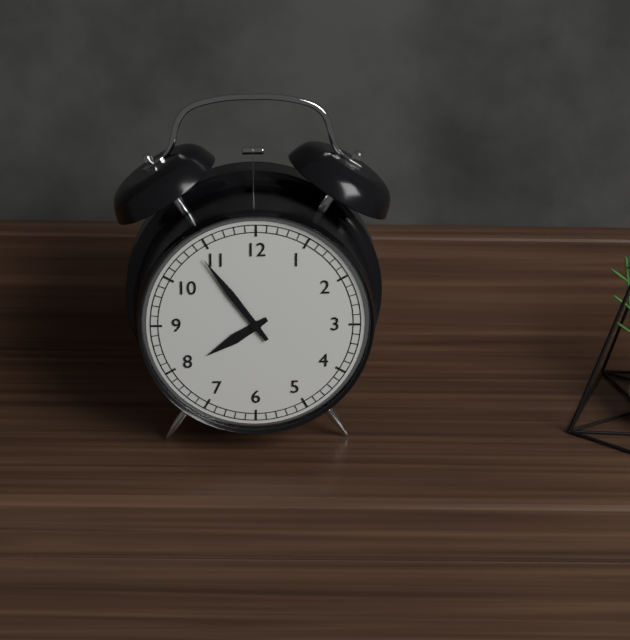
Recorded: 7,54
